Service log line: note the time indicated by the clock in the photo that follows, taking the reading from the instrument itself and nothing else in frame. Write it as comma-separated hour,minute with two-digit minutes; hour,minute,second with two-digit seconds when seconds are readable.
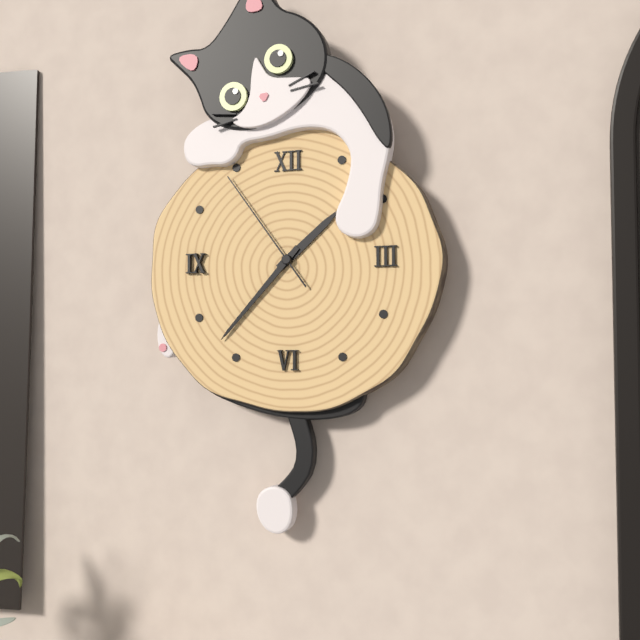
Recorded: 1,37,54
